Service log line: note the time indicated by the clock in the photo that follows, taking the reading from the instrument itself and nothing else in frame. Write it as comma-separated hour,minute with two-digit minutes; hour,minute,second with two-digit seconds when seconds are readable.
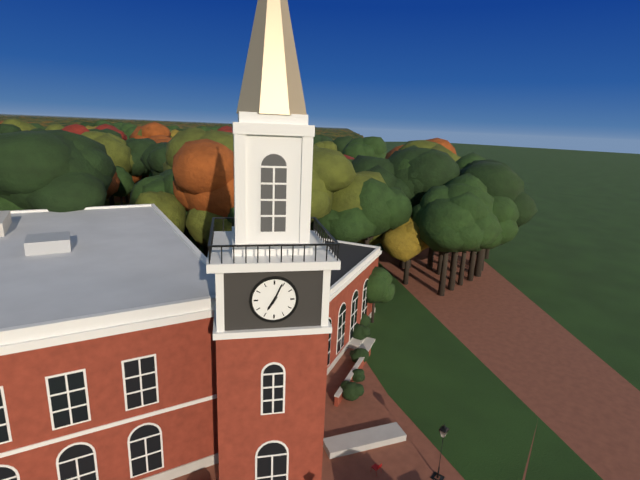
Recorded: 7,04
